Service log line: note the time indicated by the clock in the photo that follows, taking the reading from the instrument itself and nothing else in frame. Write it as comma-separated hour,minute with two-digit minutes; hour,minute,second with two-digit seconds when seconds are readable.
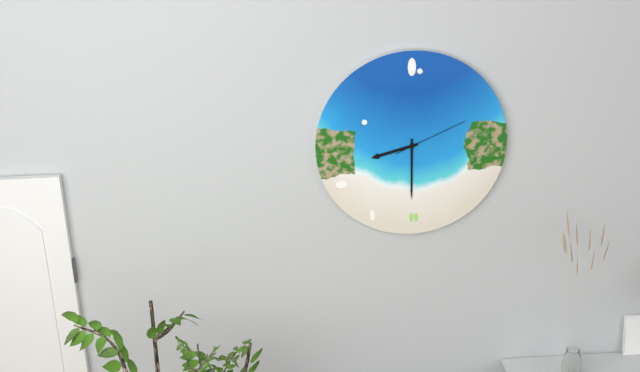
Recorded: 8,30,11
